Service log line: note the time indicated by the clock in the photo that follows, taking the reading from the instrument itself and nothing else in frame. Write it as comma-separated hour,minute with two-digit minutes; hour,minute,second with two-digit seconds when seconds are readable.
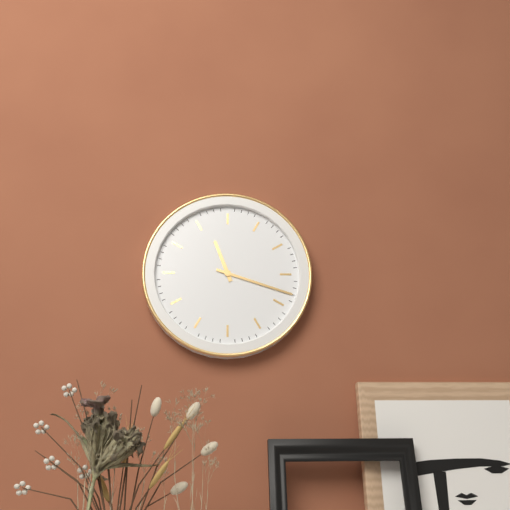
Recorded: 11,18
